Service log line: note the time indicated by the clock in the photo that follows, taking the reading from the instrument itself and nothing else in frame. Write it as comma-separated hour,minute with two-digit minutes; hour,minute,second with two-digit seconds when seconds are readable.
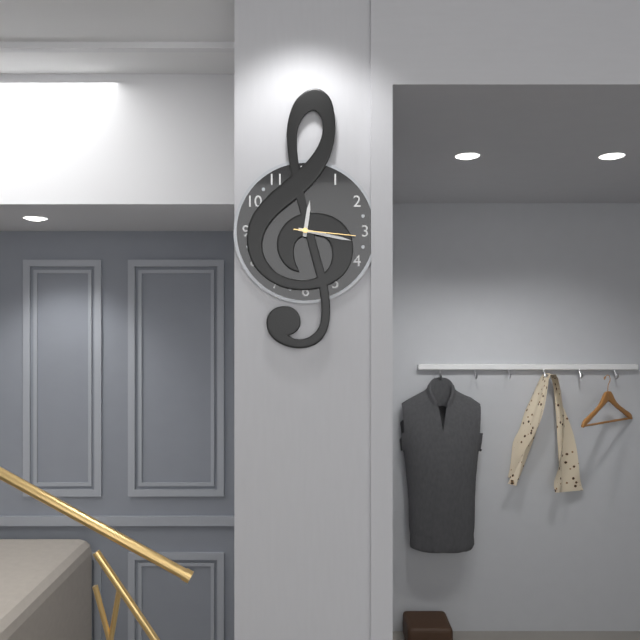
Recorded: 12,17,16
